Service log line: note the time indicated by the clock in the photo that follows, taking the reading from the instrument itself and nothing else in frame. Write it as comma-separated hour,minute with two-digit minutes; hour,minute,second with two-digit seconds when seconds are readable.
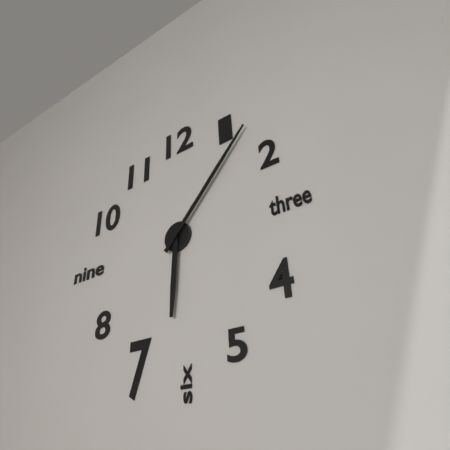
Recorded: 6,07
